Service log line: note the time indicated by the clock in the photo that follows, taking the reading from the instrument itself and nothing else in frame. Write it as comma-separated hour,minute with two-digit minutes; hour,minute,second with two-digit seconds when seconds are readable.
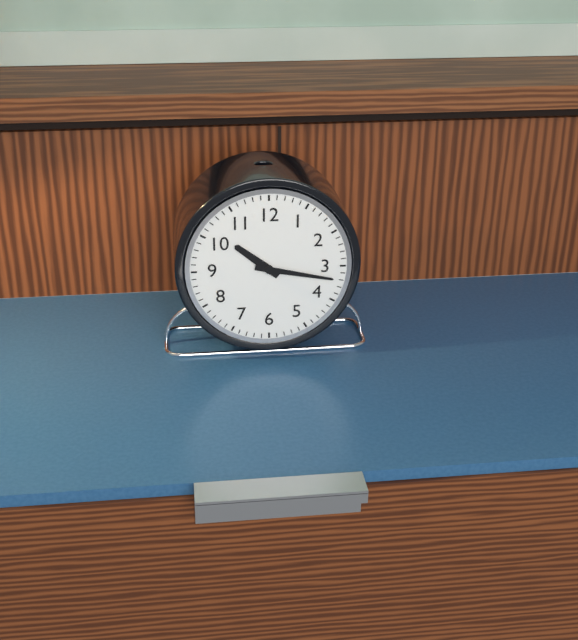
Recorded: 10,17
